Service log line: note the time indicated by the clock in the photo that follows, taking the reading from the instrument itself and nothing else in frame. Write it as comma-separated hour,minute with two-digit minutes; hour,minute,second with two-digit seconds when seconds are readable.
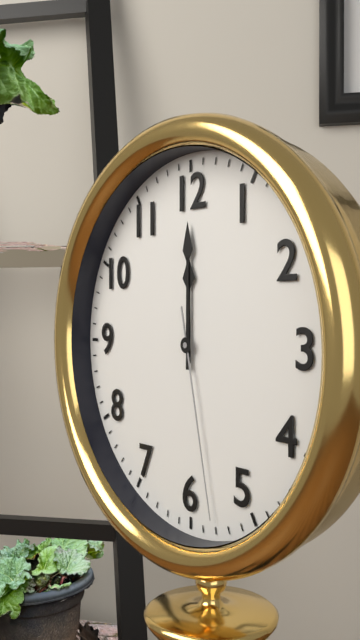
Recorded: 12,00,28
